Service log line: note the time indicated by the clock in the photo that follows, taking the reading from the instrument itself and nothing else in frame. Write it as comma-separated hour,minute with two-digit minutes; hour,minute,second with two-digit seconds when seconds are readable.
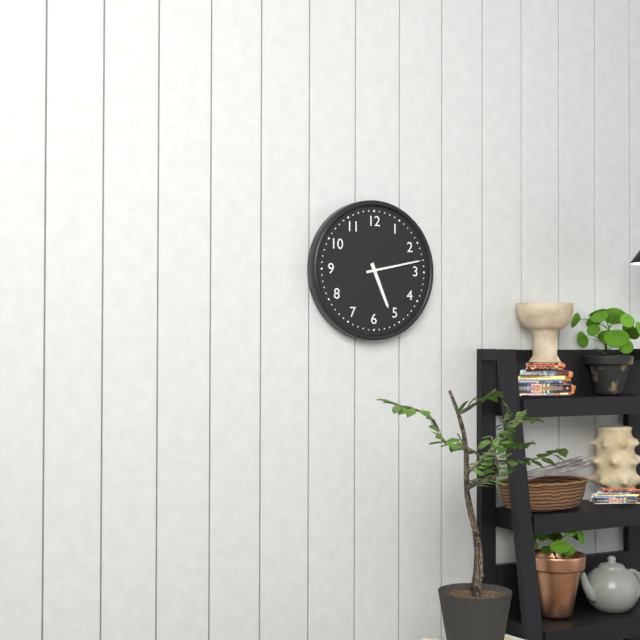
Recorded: 5,13
